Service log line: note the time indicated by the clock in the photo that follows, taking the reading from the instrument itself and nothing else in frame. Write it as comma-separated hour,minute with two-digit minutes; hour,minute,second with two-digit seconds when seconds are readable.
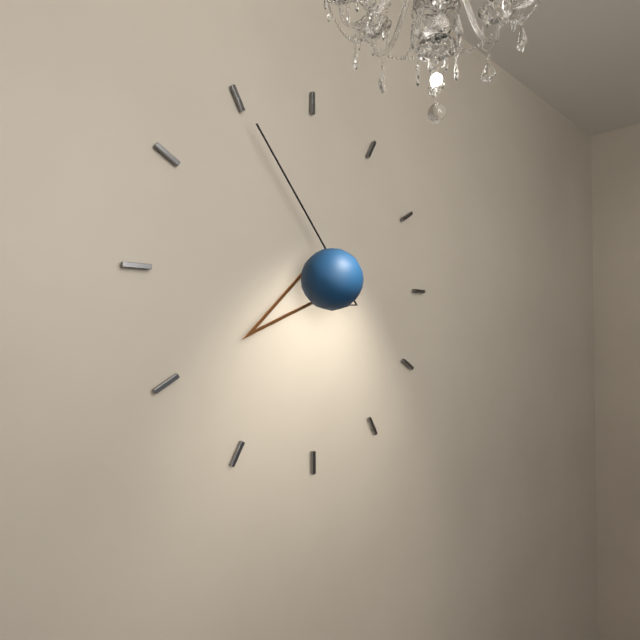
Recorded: 7,55
